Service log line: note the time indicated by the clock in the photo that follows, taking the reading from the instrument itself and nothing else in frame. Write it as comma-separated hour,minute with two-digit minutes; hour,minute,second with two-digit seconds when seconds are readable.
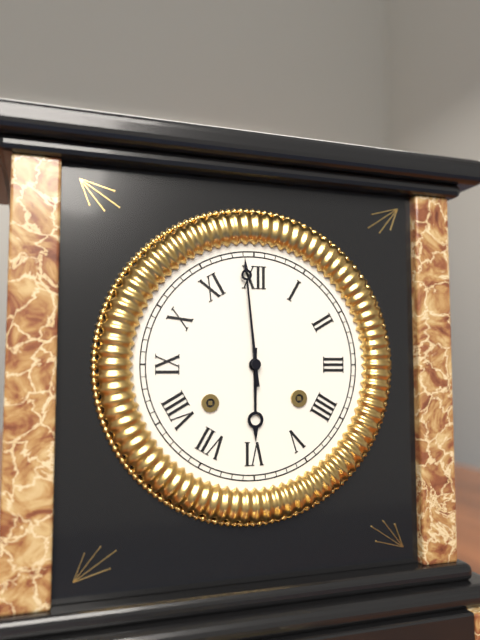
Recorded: 5,59
